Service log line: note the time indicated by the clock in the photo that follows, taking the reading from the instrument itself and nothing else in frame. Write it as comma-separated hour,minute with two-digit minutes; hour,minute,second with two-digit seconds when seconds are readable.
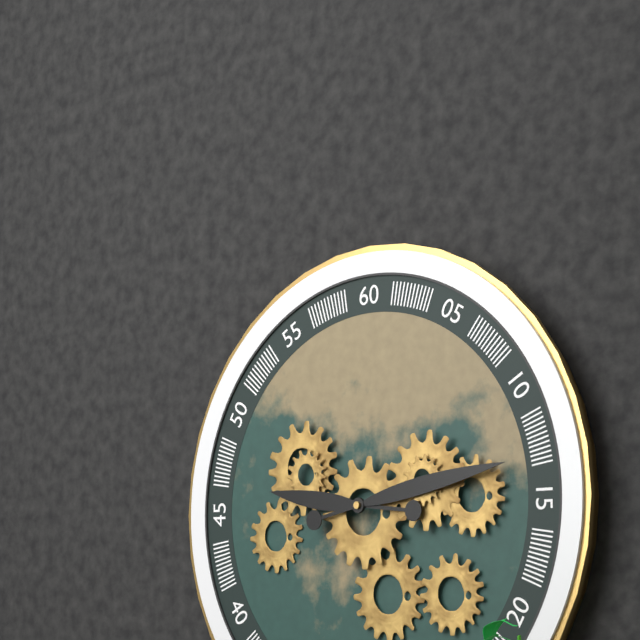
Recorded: 9,13
